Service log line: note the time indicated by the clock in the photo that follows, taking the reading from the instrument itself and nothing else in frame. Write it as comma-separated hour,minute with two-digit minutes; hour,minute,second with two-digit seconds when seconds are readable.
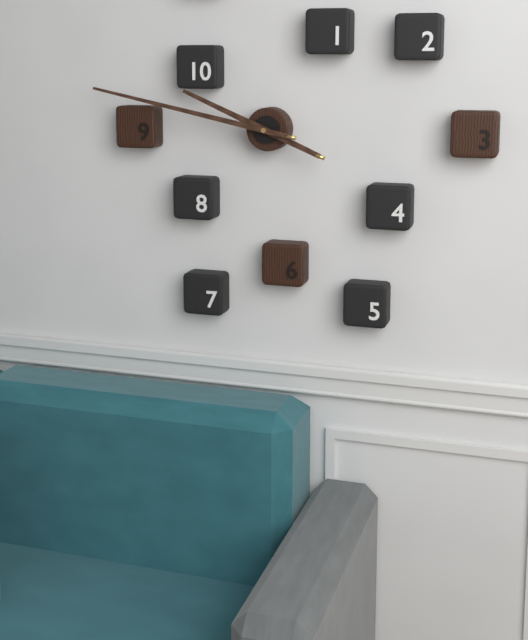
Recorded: 9,47
